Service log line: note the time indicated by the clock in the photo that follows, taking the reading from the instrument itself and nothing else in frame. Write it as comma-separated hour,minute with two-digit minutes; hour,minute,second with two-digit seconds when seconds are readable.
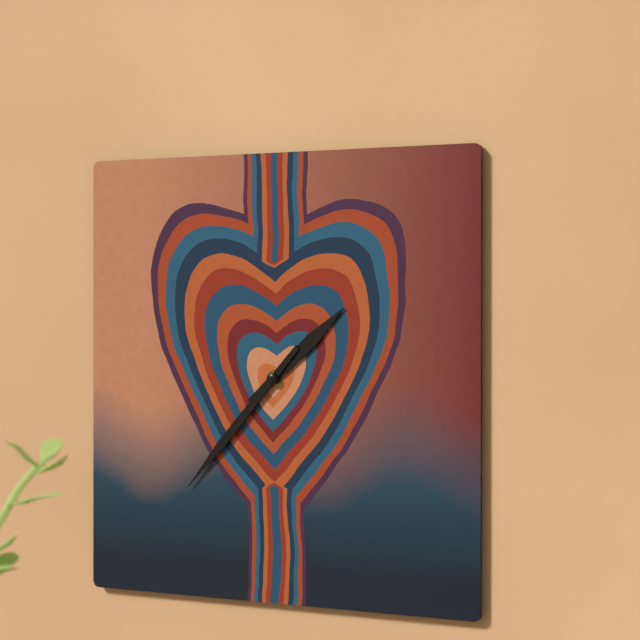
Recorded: 1,37
